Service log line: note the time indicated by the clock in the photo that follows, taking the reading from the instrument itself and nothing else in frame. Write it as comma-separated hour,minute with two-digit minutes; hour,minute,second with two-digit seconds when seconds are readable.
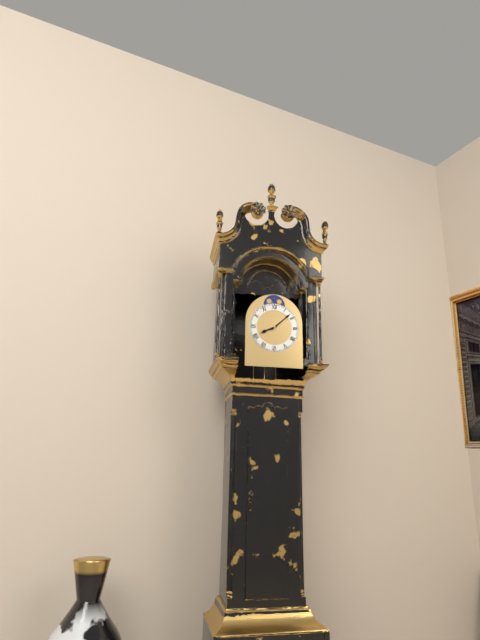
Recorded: 8,08
